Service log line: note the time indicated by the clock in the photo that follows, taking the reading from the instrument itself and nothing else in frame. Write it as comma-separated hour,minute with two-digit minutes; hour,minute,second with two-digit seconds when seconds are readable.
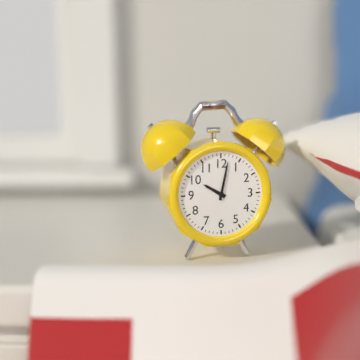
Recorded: 10,02
